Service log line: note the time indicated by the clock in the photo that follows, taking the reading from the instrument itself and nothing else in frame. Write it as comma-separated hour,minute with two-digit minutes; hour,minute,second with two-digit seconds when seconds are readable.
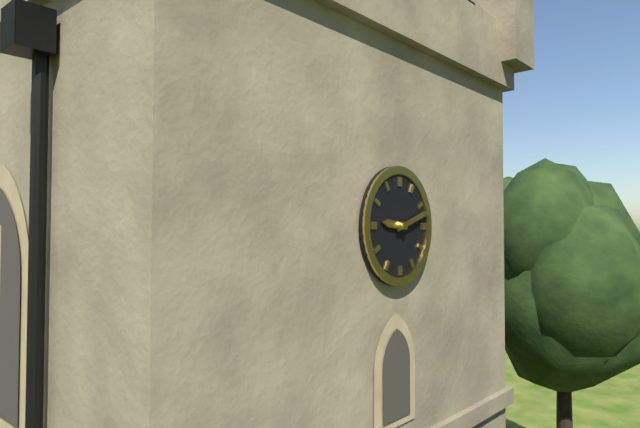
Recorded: 9,12
